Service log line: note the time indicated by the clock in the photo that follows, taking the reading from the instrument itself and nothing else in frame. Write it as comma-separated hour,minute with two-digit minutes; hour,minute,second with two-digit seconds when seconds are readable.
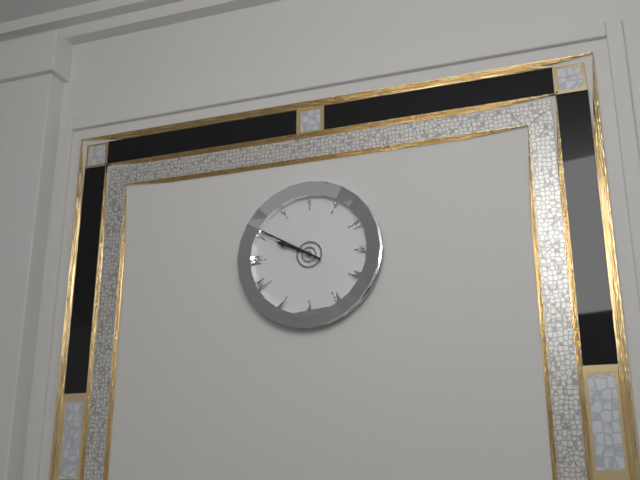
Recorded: 9,50
